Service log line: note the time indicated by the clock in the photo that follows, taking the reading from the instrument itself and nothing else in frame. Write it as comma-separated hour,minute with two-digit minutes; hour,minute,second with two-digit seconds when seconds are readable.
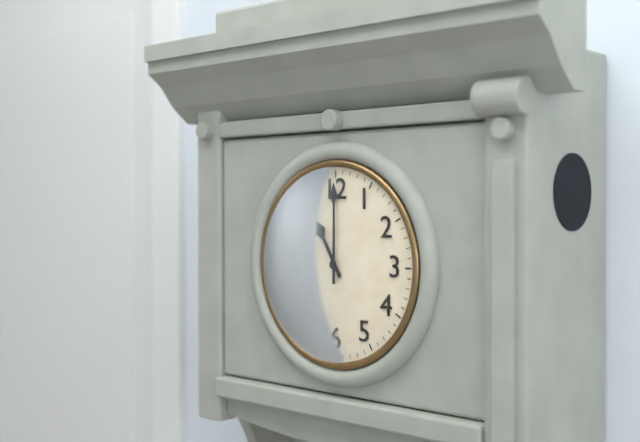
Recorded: 11,00
